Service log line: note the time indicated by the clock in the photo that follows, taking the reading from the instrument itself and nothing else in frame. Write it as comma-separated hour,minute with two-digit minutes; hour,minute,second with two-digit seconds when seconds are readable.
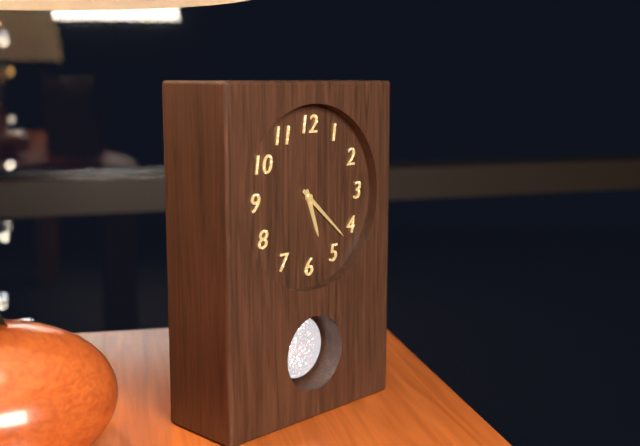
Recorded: 5,22
